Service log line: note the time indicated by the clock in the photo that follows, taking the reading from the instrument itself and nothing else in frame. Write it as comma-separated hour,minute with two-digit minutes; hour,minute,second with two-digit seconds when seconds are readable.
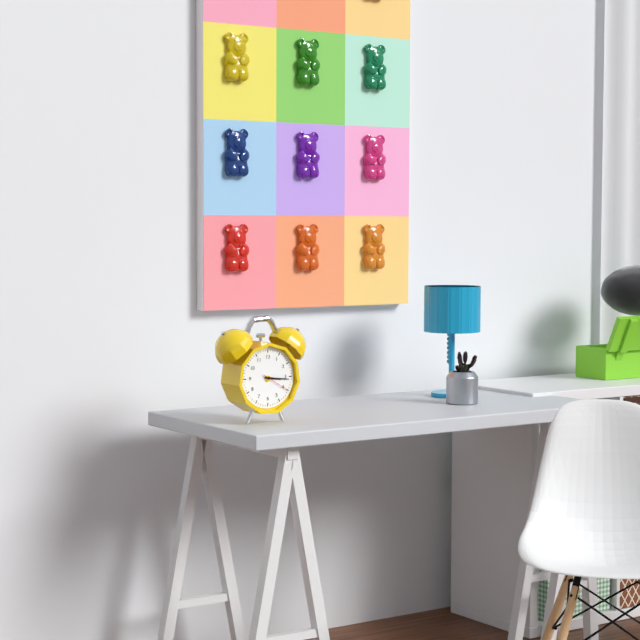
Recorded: 3,16
